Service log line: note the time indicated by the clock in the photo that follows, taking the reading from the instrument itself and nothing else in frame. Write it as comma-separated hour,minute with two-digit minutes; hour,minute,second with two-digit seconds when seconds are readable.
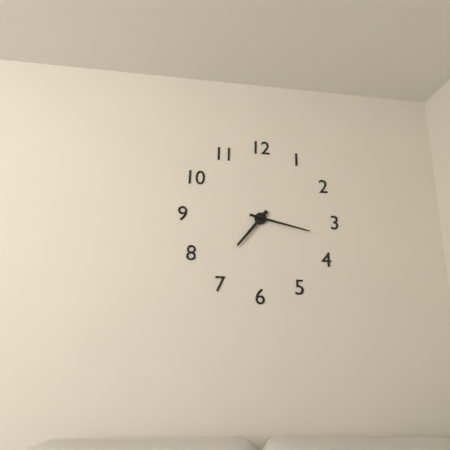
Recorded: 7,17
